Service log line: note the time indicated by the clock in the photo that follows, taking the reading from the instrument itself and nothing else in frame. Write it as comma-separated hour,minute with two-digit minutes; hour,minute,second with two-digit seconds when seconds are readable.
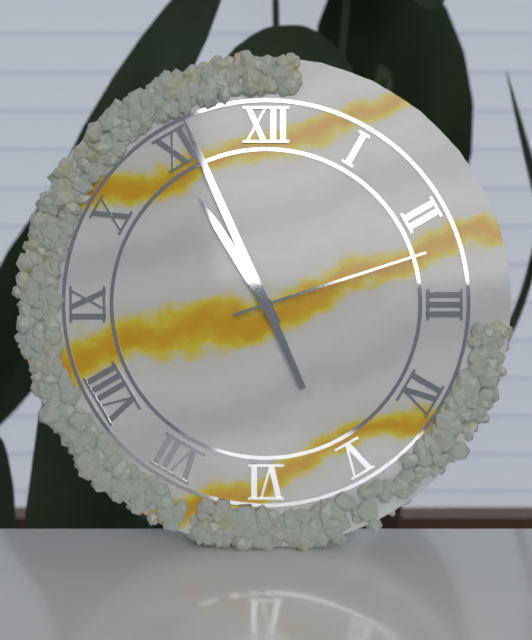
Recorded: 10,56,12
